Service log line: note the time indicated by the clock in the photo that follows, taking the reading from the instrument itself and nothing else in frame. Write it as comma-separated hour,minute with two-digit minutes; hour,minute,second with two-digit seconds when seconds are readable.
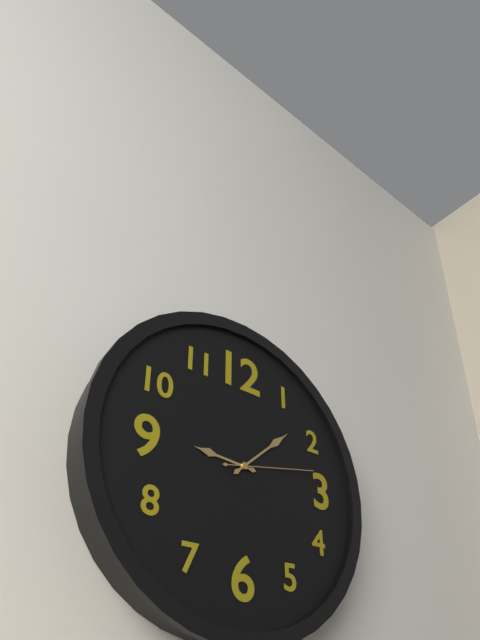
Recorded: 9,08,13
